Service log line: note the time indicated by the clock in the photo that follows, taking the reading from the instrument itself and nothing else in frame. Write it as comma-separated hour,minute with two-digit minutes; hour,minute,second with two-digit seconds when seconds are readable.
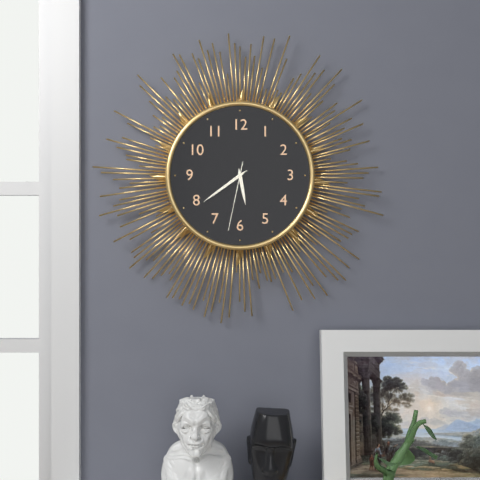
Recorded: 5,39,32
